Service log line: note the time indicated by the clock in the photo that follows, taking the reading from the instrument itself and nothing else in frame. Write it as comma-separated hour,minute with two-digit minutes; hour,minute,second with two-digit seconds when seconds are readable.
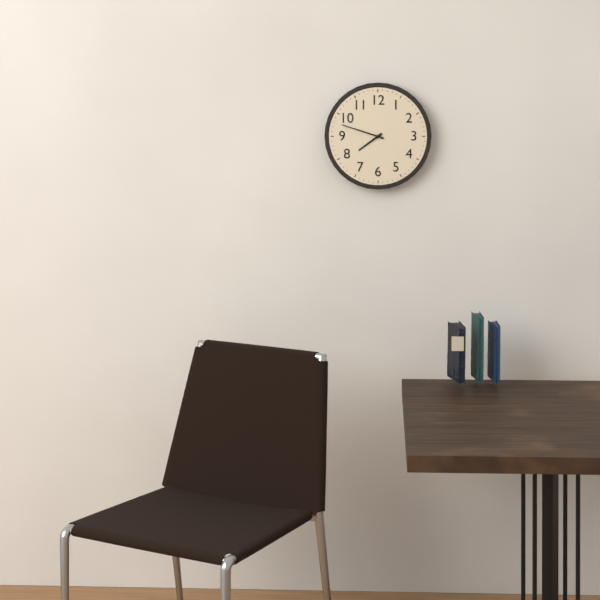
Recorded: 7,48
